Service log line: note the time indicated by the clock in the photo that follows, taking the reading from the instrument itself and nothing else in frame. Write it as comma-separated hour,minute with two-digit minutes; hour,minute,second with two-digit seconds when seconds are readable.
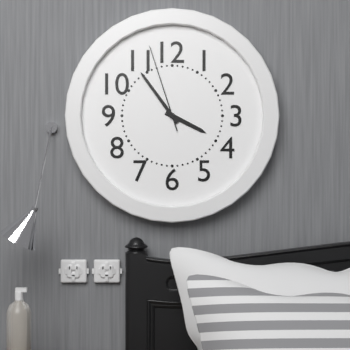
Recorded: 3,54,57
